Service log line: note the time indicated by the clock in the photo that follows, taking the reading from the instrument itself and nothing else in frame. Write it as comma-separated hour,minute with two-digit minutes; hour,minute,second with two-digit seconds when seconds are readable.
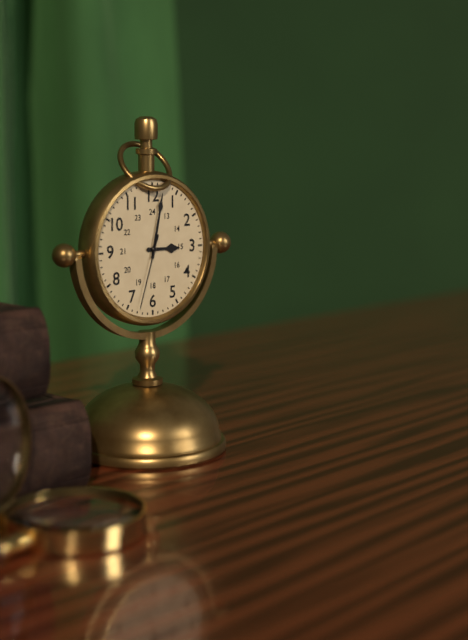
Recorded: 3,02,33
